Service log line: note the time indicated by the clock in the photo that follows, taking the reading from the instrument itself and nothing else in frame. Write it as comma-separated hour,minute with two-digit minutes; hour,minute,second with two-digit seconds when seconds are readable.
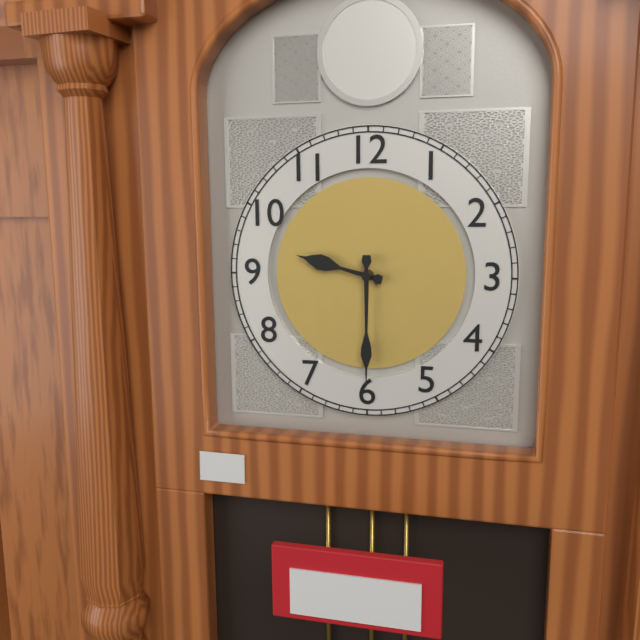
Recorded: 9,30
